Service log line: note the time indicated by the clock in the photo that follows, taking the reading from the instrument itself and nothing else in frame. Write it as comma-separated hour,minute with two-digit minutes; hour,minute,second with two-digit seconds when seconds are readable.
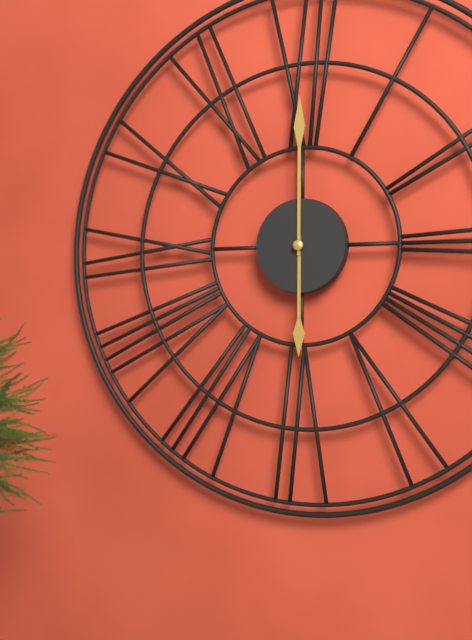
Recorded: 6,00
